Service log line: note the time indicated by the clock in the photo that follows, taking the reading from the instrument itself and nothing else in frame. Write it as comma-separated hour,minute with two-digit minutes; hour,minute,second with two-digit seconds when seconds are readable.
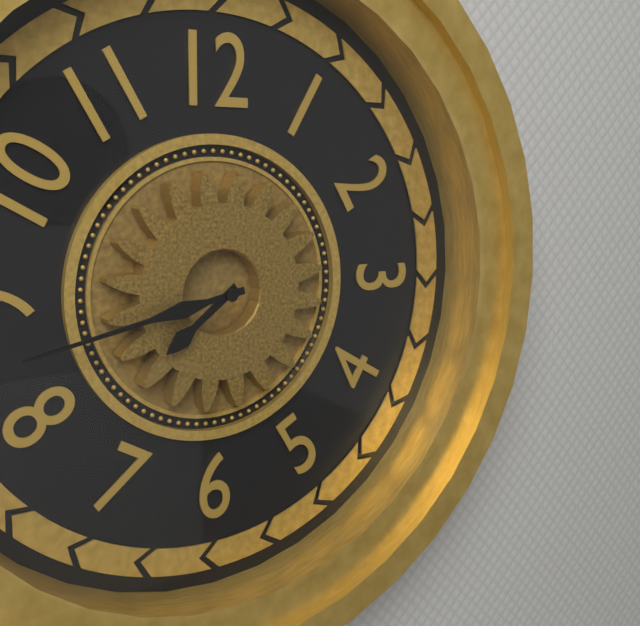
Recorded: 7,43
